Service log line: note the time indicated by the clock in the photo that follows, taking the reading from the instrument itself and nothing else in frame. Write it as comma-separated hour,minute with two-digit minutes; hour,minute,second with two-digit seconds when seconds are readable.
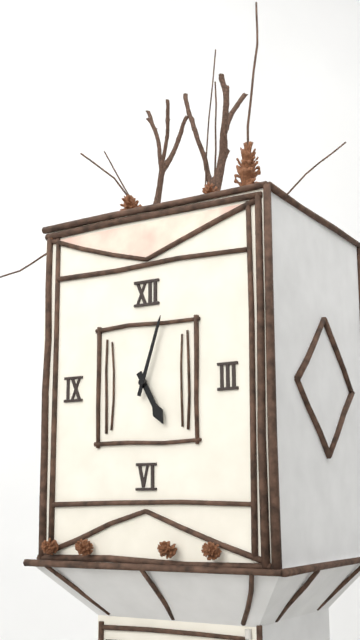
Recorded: 5,03
